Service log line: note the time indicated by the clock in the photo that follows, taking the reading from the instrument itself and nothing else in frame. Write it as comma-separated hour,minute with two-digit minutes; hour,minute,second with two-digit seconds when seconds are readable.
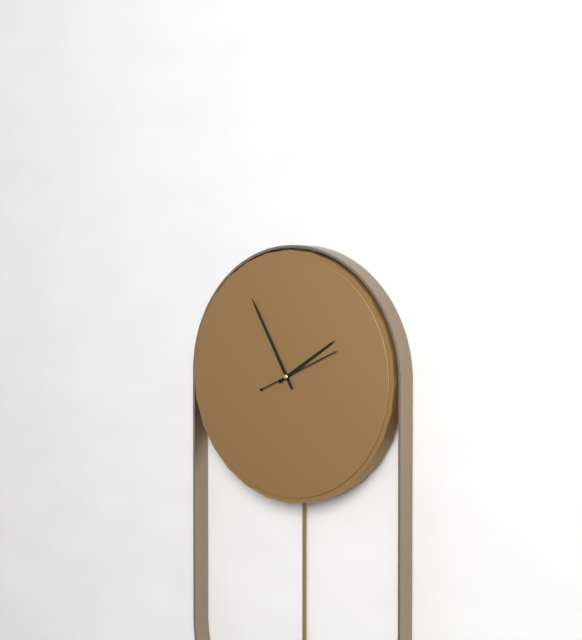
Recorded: 1,55,11
